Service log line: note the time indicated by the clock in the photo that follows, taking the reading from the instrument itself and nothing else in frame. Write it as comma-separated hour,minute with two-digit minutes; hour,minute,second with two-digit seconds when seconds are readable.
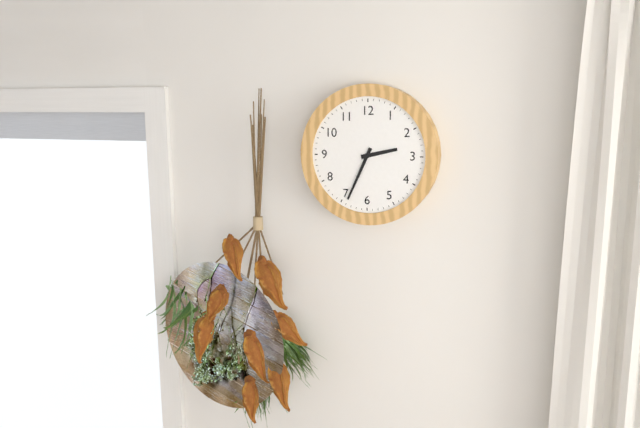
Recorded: 2,34
